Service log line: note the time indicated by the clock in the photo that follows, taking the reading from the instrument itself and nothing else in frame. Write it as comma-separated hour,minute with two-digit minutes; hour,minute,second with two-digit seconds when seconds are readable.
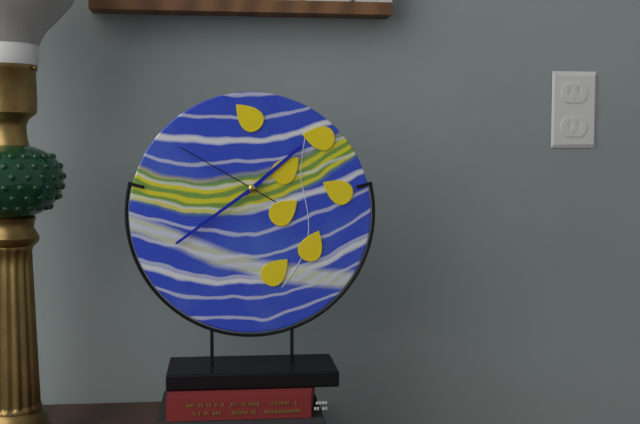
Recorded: 1,39,50
